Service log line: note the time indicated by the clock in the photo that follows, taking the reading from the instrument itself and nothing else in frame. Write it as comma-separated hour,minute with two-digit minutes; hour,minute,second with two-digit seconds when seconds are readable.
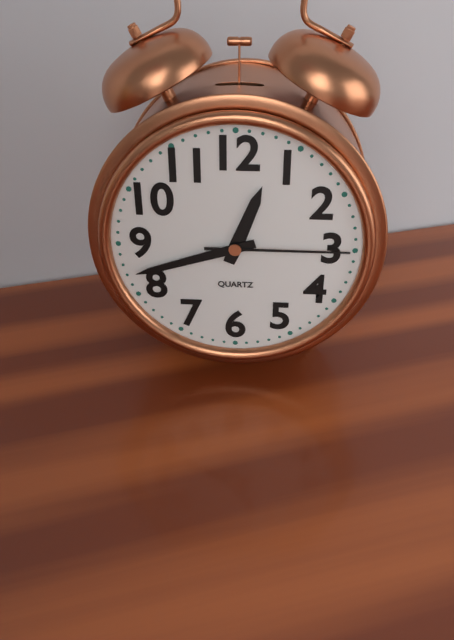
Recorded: 12,42,15
